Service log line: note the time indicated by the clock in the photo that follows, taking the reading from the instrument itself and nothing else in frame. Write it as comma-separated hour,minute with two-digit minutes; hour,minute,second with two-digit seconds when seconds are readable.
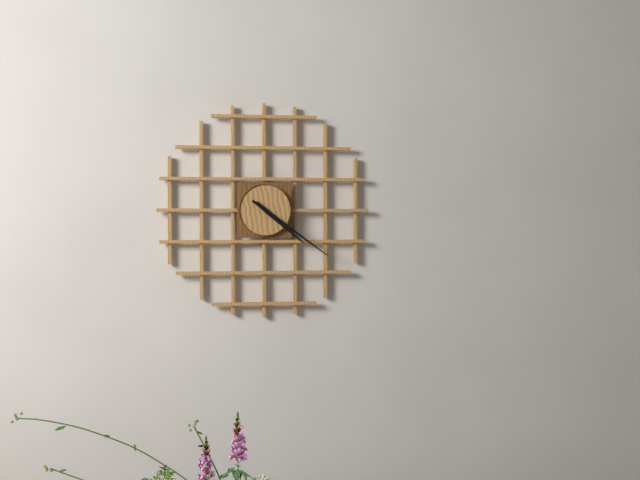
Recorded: 4,21
